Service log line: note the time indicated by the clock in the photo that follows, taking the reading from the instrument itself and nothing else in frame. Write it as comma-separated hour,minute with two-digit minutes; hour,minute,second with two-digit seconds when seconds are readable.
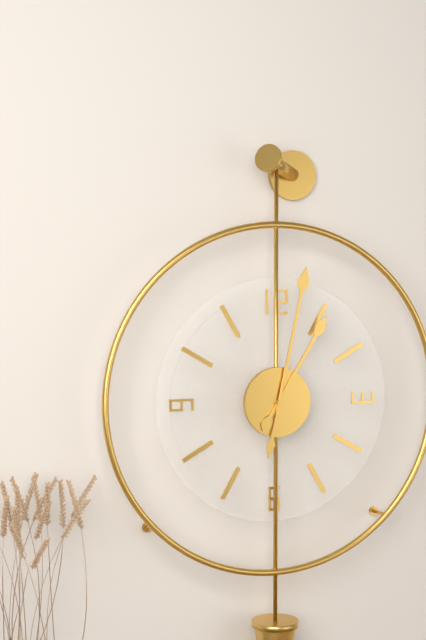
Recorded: 1,02
